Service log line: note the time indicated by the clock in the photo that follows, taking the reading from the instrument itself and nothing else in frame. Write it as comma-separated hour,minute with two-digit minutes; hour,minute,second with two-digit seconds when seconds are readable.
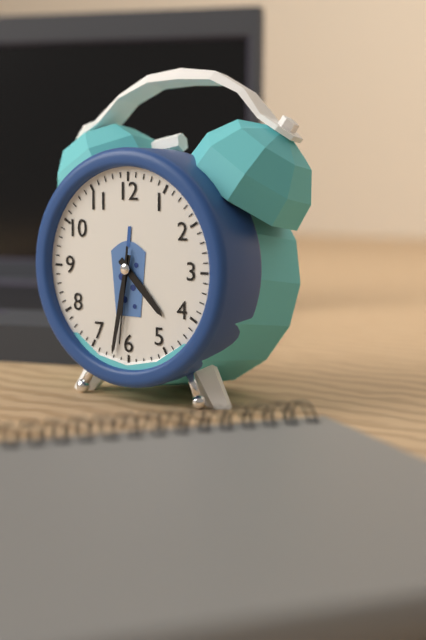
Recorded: 4,32,31
